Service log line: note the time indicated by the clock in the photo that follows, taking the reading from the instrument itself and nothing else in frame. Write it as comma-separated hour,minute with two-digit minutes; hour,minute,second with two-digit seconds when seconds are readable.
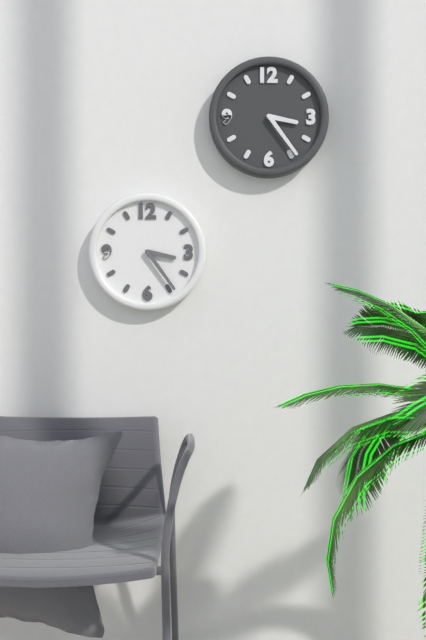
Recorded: 3,24
